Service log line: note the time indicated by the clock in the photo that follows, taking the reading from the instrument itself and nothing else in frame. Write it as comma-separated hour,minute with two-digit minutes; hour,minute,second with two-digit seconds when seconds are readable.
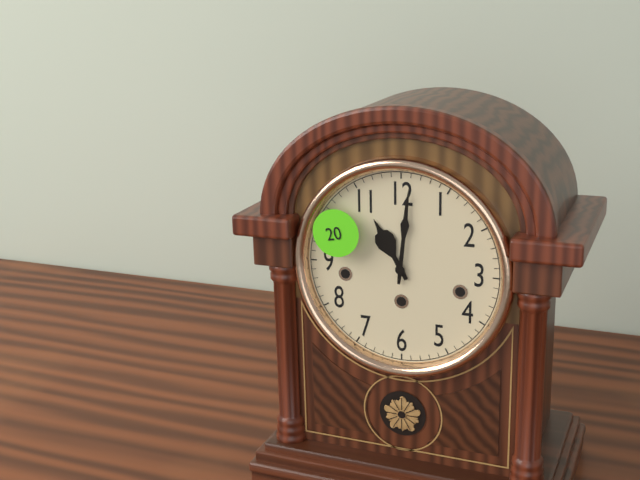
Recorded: 11,01
